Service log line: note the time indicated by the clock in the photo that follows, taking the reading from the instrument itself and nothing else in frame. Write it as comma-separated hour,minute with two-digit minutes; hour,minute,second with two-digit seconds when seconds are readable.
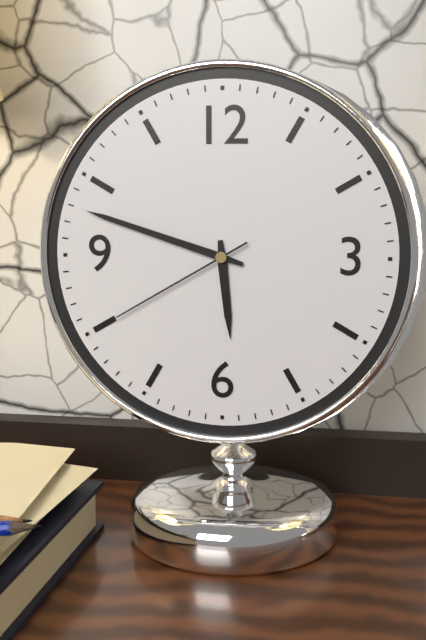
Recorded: 5,48,40
